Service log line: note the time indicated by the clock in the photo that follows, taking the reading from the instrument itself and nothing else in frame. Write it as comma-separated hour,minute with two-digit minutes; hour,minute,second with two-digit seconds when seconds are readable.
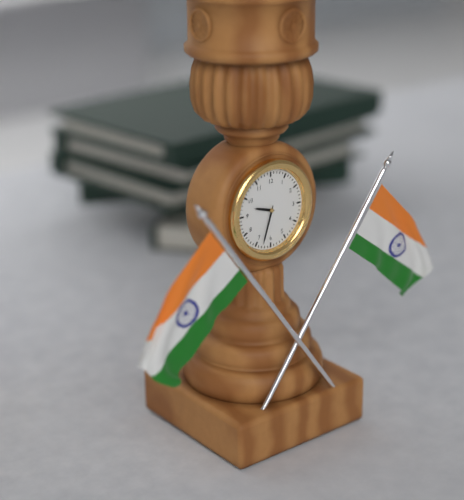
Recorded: 9,33
